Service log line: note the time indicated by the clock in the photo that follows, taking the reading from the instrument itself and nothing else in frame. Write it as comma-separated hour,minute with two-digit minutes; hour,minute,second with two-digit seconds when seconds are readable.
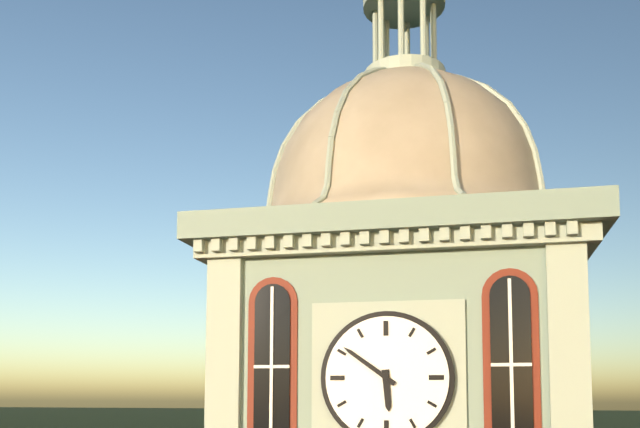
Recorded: 5,51
